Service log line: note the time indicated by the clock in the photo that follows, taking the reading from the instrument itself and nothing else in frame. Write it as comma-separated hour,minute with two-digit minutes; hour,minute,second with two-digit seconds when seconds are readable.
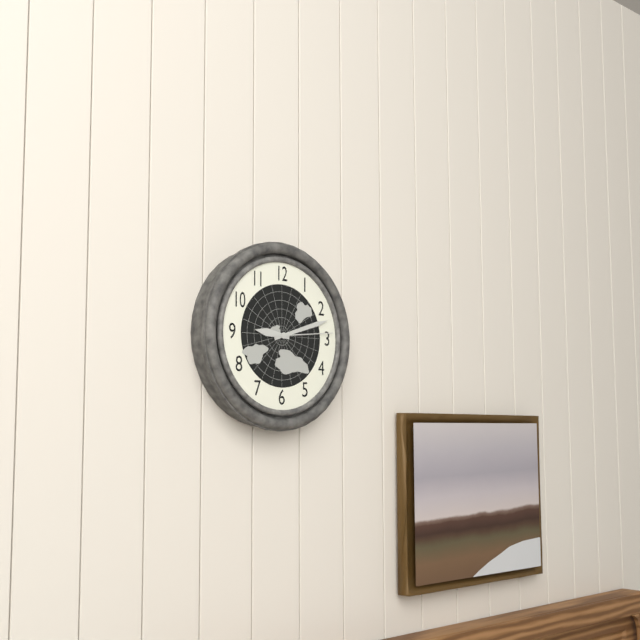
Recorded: 9,12,14
